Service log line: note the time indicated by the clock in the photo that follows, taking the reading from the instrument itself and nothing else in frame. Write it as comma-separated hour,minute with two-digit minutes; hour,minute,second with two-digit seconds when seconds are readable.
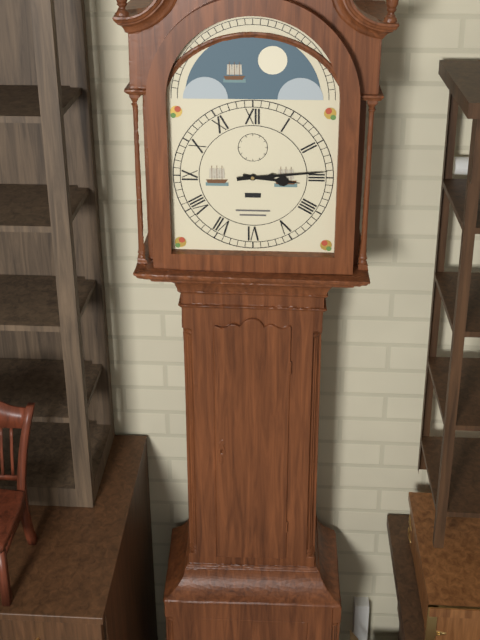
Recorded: 3,14
